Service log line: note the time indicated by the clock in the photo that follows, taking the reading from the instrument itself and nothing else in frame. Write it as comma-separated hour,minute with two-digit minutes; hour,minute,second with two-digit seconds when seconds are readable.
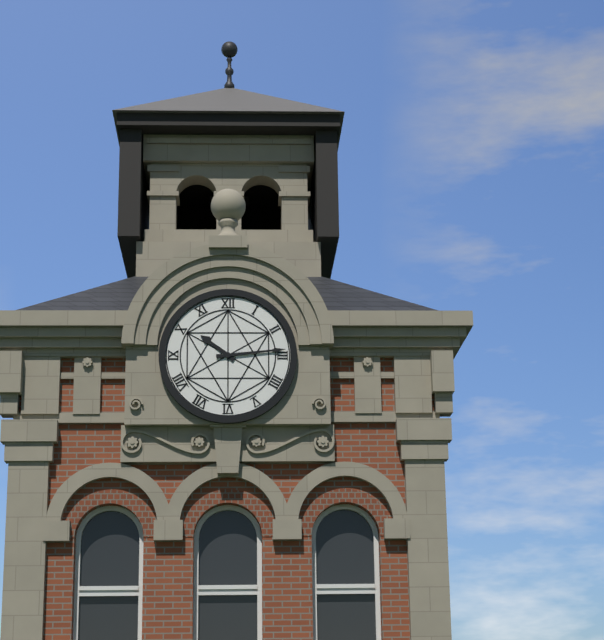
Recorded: 10,14
